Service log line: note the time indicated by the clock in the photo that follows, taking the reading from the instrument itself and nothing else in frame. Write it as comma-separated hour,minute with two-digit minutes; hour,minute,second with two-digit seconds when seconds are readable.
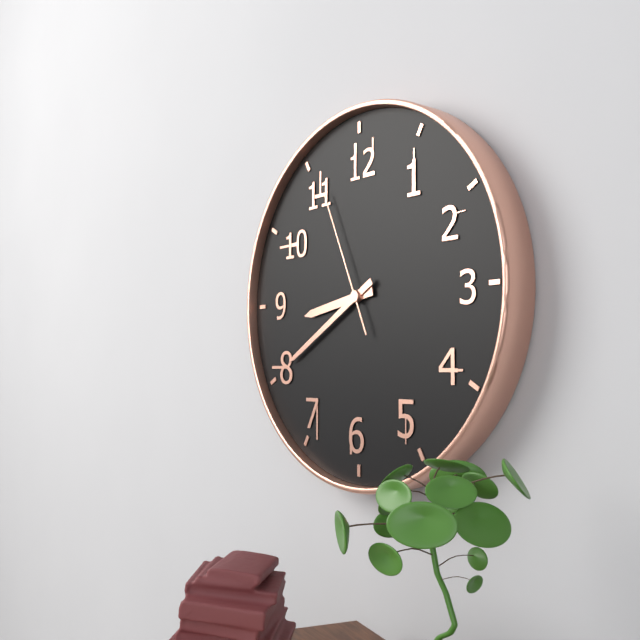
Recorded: 8,40,56
